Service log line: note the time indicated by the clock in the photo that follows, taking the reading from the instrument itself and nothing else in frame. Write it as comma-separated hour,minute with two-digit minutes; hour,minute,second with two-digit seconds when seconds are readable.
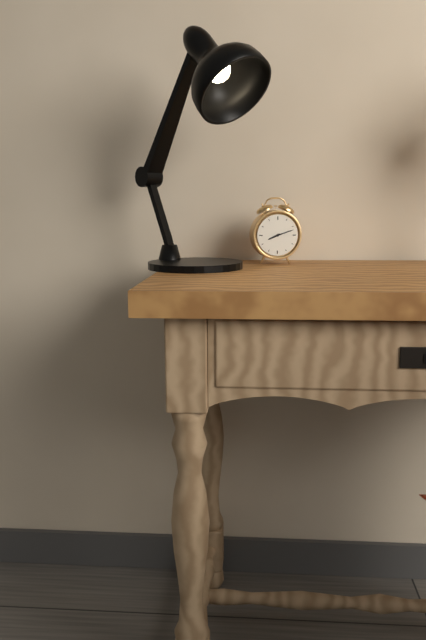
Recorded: 8,12
